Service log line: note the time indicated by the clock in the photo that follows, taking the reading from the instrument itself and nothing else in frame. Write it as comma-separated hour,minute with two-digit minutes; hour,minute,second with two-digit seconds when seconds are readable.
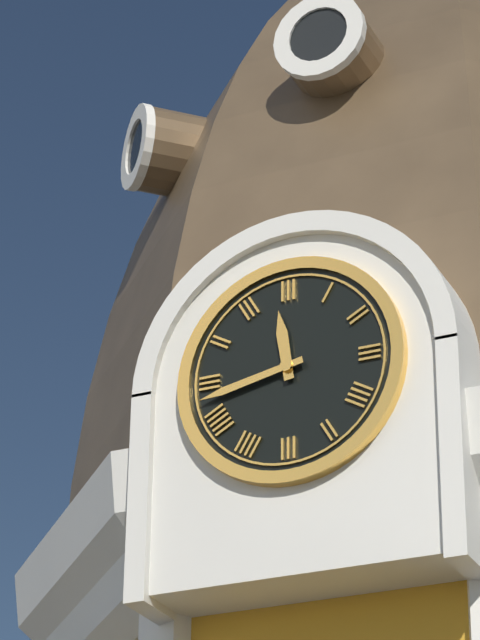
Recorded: 11,43
